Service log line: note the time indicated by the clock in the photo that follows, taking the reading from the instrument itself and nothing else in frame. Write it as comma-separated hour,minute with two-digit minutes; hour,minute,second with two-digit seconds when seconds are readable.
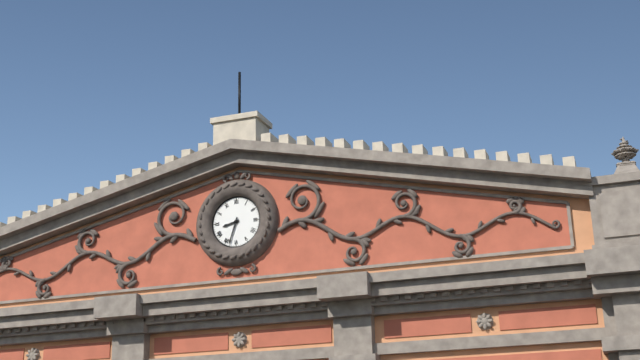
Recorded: 8,33
